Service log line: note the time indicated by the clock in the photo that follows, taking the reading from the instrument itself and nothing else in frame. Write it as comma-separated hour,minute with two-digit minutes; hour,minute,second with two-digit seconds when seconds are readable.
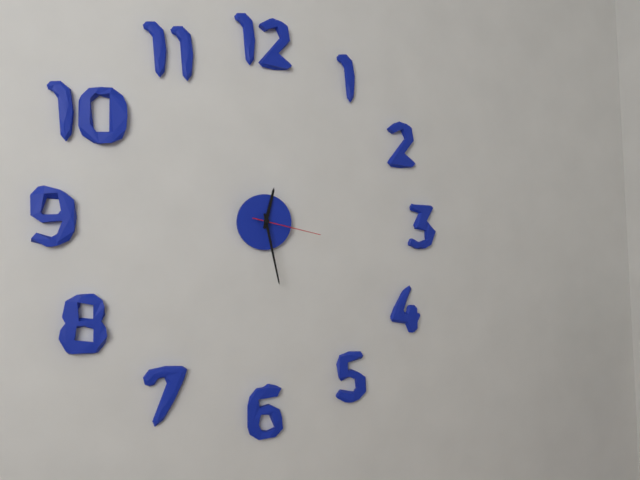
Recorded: 12,28,17
